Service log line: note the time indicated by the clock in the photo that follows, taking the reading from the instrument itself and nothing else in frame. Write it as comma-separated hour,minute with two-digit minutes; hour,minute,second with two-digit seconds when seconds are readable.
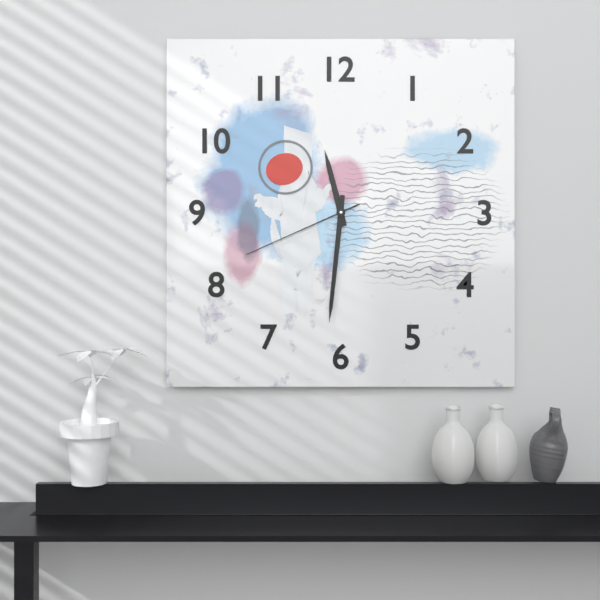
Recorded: 11,31,41
